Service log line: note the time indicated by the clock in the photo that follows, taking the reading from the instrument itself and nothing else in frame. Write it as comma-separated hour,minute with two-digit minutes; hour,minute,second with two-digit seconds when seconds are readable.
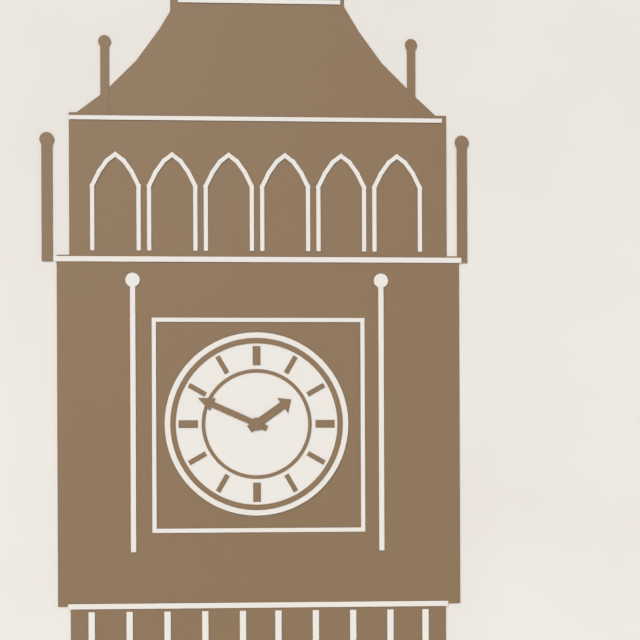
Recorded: 1,49
